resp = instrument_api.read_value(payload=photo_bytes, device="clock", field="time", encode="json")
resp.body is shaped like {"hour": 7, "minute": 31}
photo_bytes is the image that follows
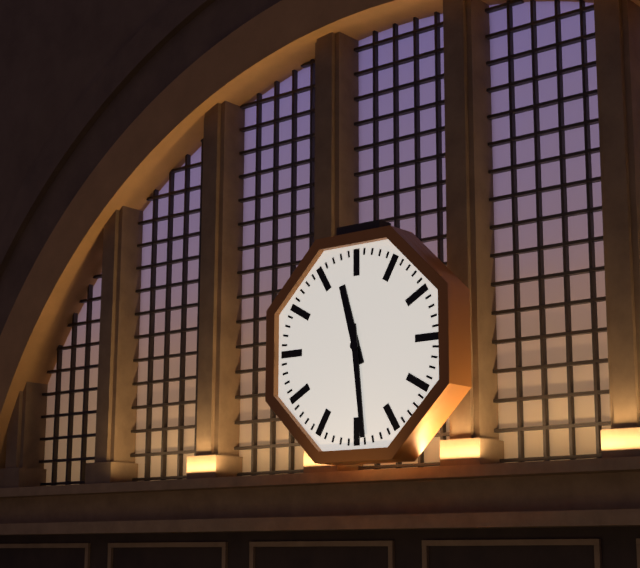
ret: {"hour": 11, "minute": 29}
